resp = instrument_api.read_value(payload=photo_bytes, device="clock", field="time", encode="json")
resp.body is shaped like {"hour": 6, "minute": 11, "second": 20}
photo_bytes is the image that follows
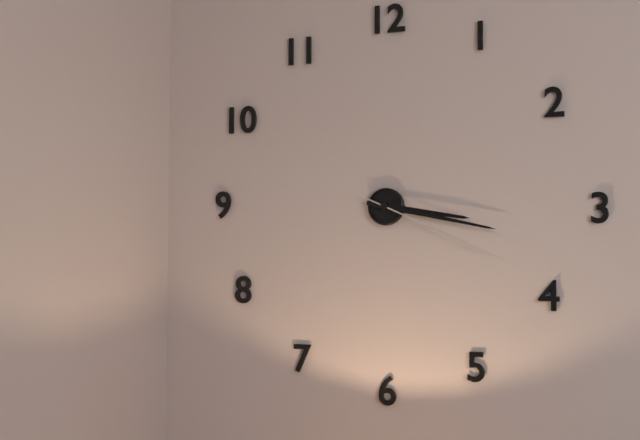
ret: {"hour": 3, "minute": 17, "second": 19}
